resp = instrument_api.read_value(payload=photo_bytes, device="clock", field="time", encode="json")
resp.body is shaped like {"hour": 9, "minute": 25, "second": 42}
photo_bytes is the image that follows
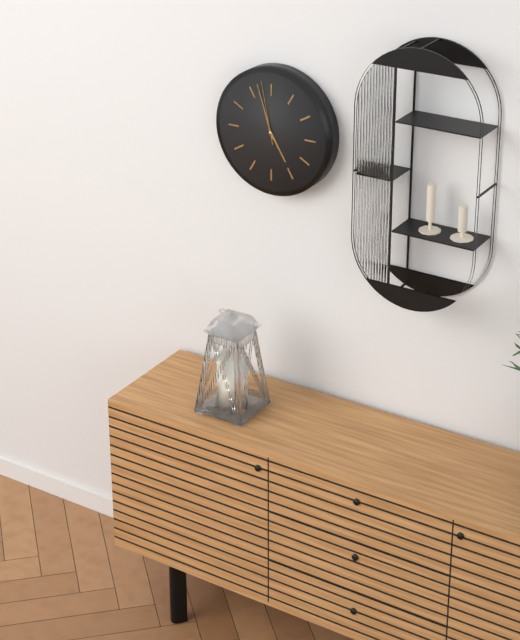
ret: {"hour": 4, "minute": 57, "second": 58}
